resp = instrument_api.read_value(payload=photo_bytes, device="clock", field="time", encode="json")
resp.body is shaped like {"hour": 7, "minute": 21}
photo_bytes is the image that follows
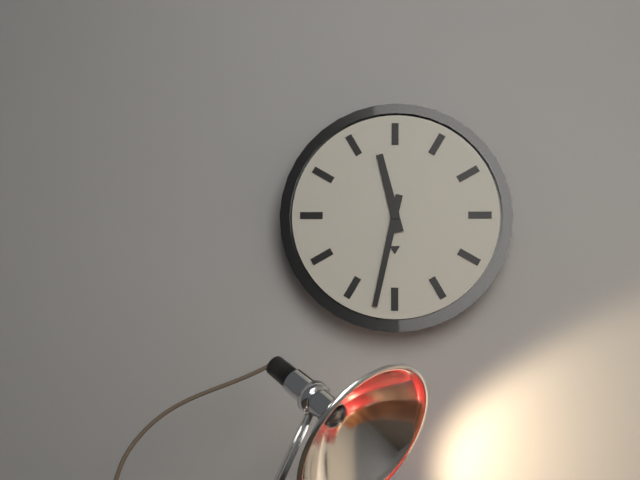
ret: {"hour": 11, "minute": 32}
